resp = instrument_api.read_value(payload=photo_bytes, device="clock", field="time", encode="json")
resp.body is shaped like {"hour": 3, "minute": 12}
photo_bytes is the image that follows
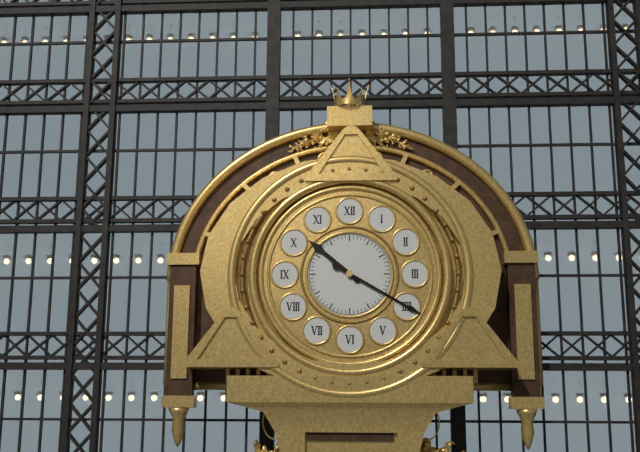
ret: {"hour": 10, "minute": 20}
